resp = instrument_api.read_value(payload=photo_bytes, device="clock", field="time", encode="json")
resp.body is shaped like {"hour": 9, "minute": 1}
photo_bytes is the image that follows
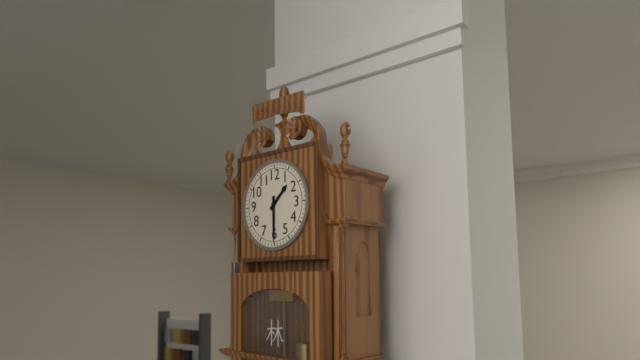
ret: {"hour": 1, "minute": 30}
